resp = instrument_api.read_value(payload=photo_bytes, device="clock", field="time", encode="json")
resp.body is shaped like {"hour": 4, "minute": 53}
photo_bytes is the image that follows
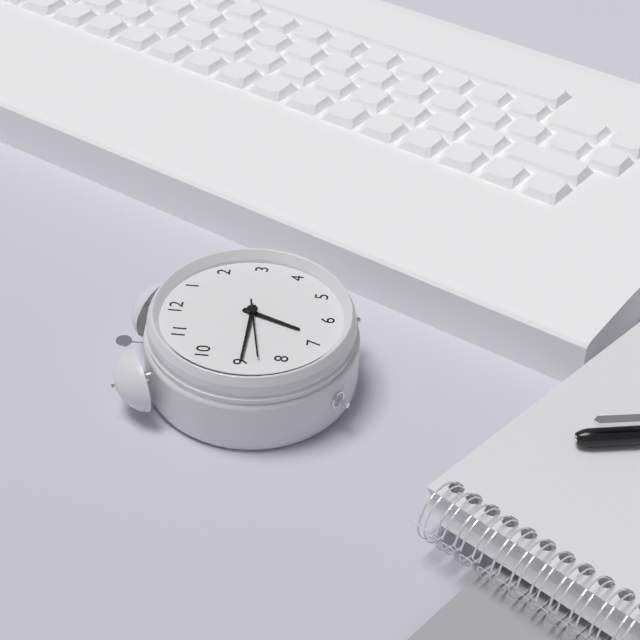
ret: {"hour": 6, "minute": 45}
